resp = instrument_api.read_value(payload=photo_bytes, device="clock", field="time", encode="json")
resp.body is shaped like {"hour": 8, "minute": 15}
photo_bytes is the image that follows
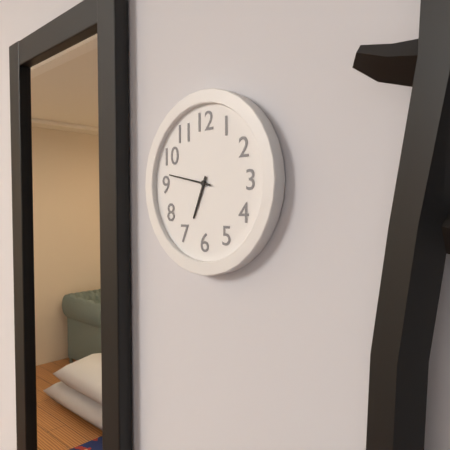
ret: {"hour": 6, "minute": 47}
